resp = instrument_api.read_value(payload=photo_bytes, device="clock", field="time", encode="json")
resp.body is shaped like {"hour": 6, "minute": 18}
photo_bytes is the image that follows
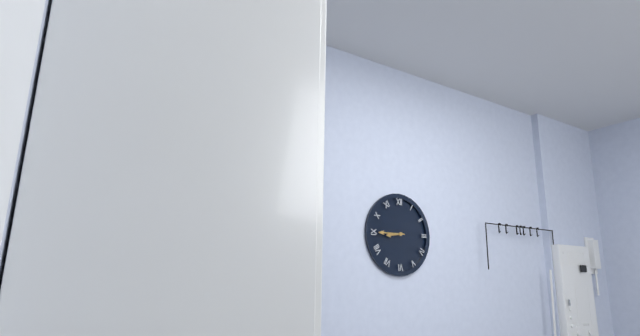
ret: {"hour": 8, "minute": 45}
